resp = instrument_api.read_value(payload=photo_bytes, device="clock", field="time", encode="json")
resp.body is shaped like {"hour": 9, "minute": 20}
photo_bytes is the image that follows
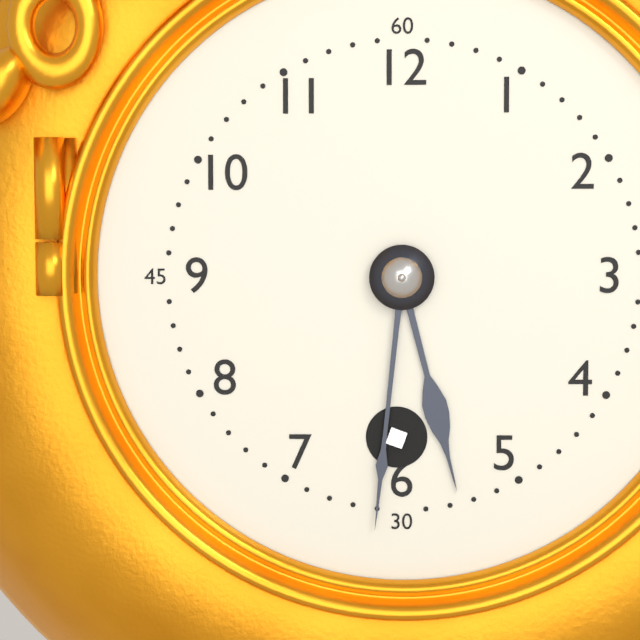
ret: {"hour": 5, "minute": 31}
